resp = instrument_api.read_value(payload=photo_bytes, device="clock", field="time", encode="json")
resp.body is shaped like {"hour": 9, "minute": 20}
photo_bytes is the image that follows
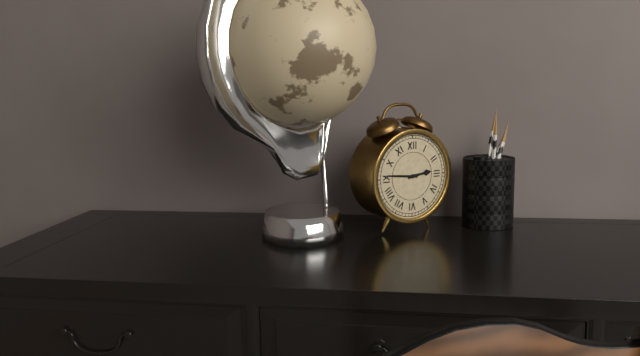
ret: {"hour": 2, "minute": 46}
